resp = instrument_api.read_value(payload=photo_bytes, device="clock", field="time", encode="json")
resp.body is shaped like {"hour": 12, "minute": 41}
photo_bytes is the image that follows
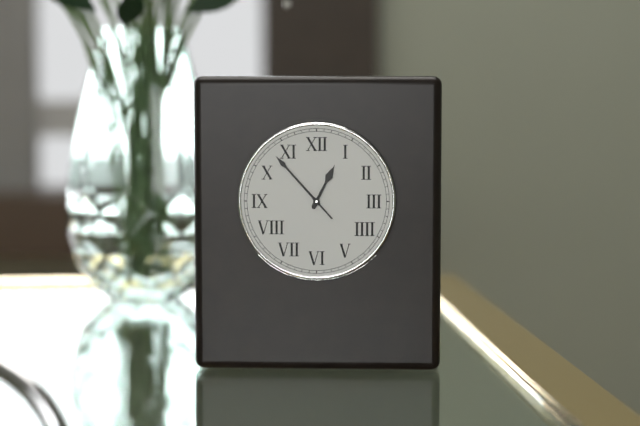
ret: {"hour": 12, "minute": 53}
